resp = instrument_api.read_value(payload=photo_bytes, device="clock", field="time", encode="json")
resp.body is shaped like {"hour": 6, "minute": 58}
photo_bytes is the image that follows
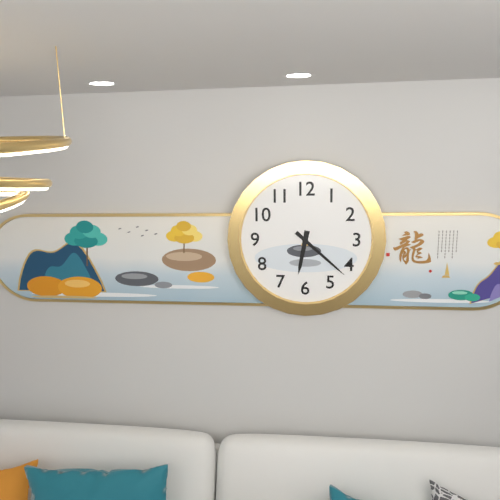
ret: {"hour": 6, "minute": 22}
